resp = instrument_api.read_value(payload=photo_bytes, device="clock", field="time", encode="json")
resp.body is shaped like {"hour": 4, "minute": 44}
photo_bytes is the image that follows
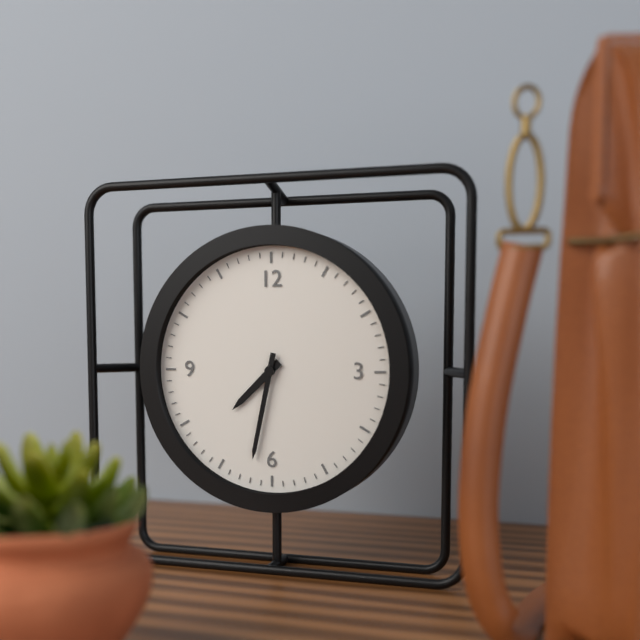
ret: {"hour": 7, "minute": 32}
